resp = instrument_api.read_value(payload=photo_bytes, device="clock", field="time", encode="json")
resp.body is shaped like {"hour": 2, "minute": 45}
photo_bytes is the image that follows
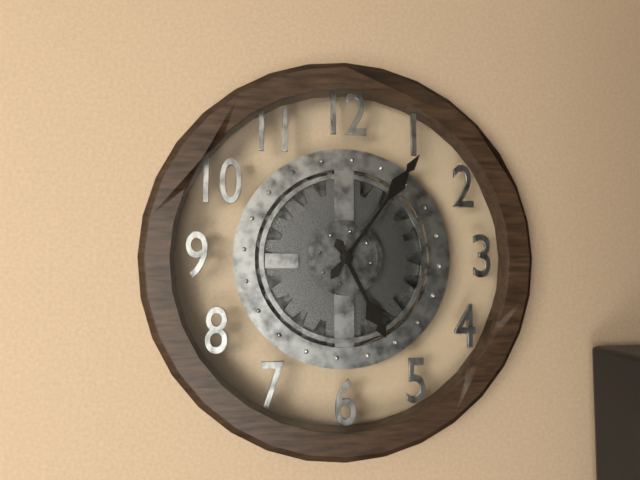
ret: {"hour": 5, "minute": 6}
